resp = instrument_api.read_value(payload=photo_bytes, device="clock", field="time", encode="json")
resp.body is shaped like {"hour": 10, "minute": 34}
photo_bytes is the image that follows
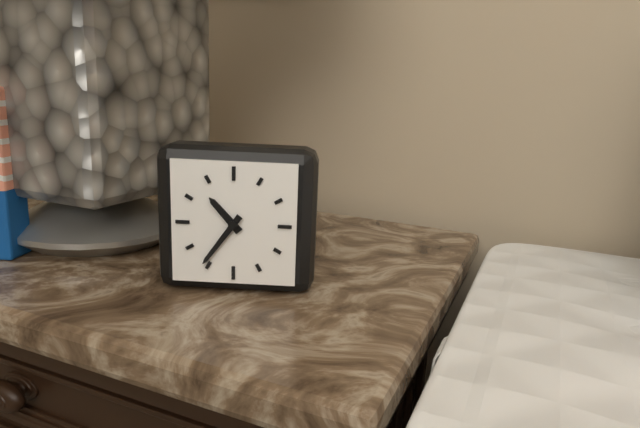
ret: {"hour": 10, "minute": 36}
